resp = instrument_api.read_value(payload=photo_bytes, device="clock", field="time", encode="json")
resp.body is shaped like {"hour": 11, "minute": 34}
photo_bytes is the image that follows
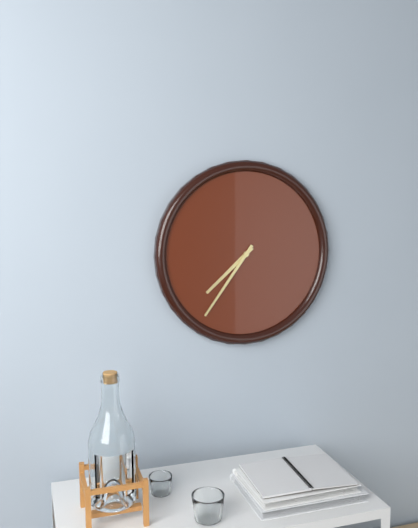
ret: {"hour": 7, "minute": 36}
